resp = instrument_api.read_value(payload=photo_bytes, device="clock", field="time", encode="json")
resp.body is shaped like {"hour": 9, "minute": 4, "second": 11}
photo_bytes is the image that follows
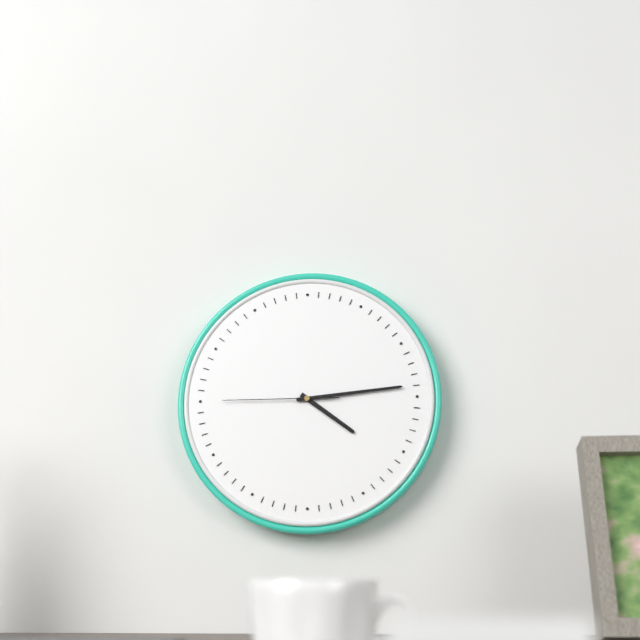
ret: {"hour": 4, "minute": 14, "second": 45}
